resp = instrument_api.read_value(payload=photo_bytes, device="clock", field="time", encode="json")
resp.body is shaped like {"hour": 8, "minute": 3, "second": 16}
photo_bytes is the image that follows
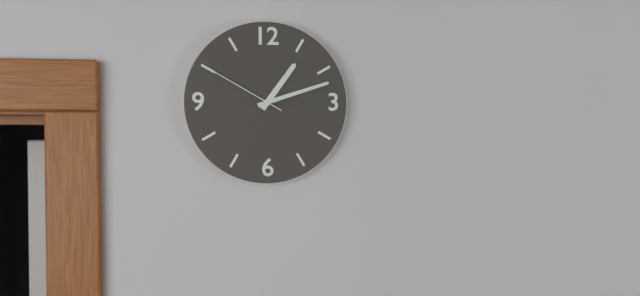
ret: {"hour": 1, "minute": 12, "second": 50}
